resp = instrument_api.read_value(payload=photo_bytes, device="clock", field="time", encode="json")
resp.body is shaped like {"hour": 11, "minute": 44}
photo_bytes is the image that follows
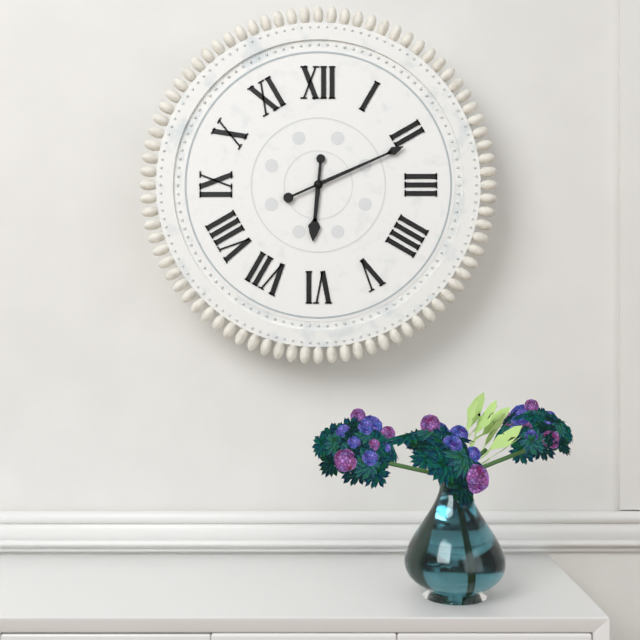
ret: {"hour": 6, "minute": 11}
